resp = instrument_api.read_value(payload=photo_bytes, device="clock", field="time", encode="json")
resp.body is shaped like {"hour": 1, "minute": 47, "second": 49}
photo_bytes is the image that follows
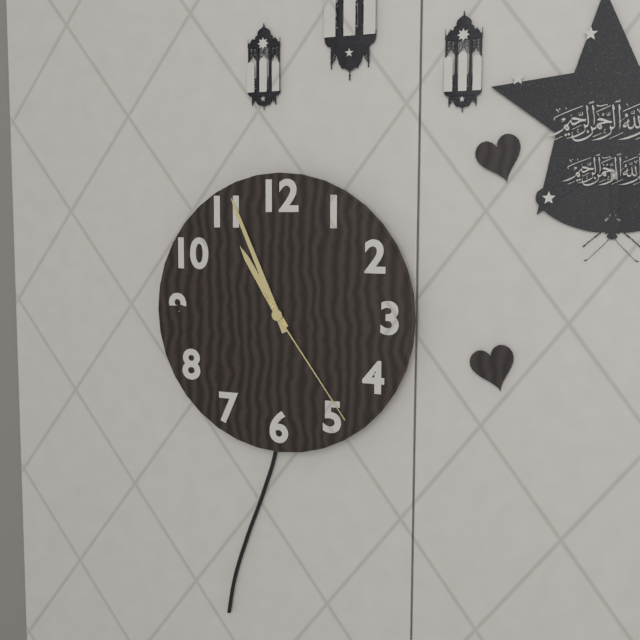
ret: {"hour": 10, "minute": 56, "second": 24}
